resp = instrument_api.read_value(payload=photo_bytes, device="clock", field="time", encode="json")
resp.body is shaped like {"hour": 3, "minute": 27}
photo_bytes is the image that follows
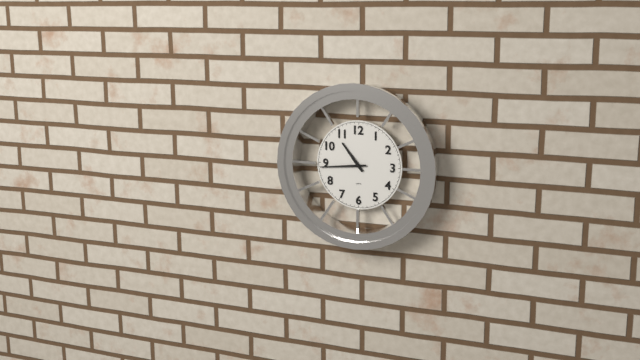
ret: {"hour": 10, "minute": 44}
